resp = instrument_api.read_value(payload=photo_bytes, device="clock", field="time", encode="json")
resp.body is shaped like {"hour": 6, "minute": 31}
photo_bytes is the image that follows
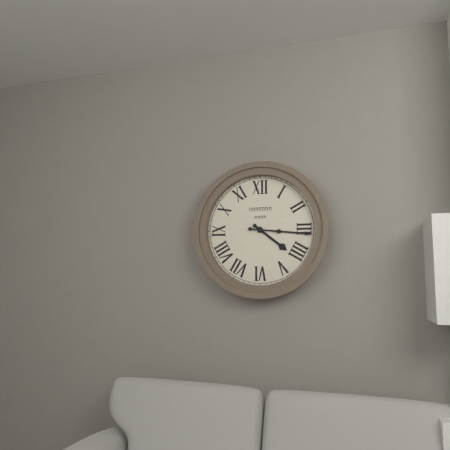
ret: {"hour": 4, "minute": 16}
